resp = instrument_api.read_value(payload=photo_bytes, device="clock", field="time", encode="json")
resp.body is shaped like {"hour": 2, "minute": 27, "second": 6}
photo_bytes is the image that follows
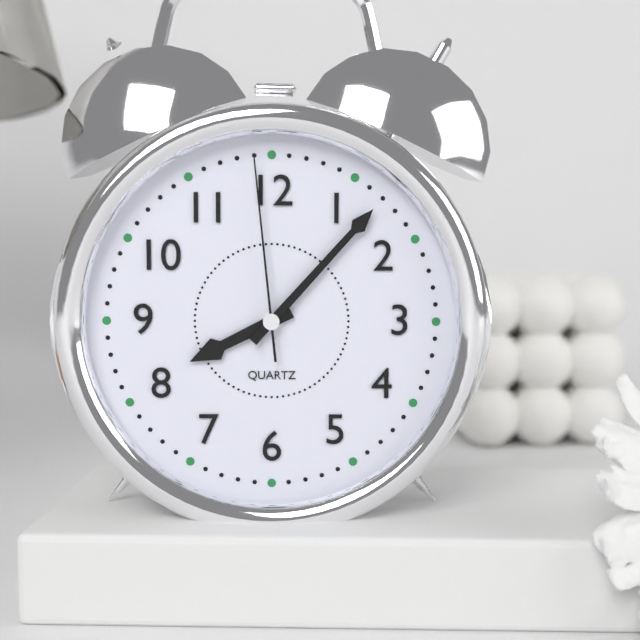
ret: {"hour": 8, "minute": 7, "second": 59}
